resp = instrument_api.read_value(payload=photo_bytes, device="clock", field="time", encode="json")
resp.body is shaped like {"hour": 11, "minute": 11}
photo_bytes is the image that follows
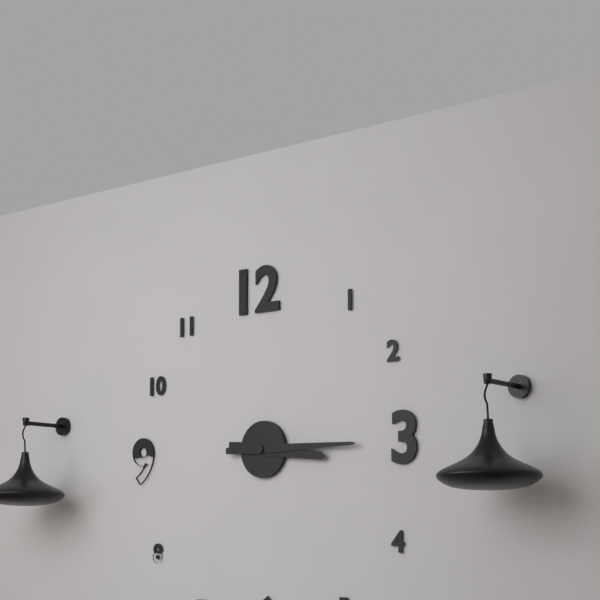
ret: {"hour": 3, "minute": 15}
